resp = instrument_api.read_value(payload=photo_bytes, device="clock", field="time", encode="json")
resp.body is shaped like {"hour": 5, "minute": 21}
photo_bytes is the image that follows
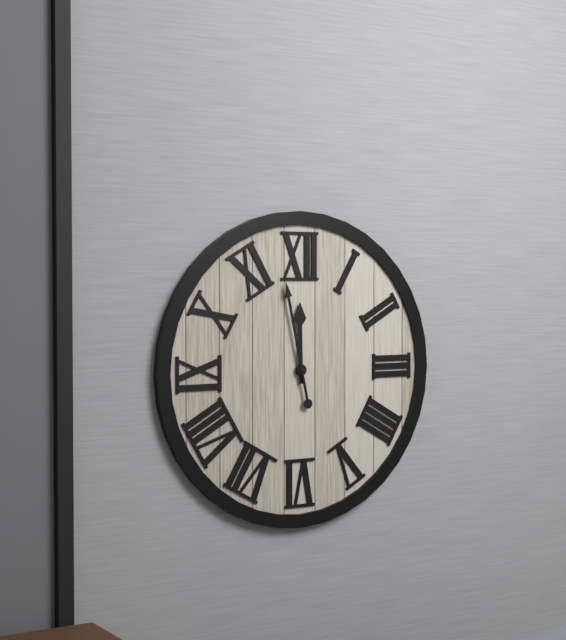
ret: {"hour": 11, "minute": 58}
